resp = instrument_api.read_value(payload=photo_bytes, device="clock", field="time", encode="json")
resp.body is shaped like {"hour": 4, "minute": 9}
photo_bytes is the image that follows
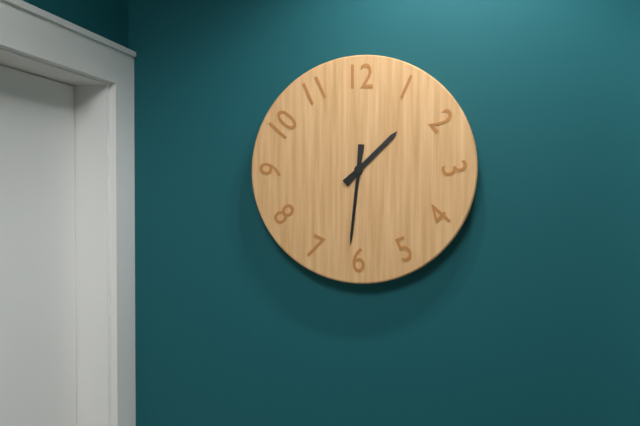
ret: {"hour": 1, "minute": 31}
